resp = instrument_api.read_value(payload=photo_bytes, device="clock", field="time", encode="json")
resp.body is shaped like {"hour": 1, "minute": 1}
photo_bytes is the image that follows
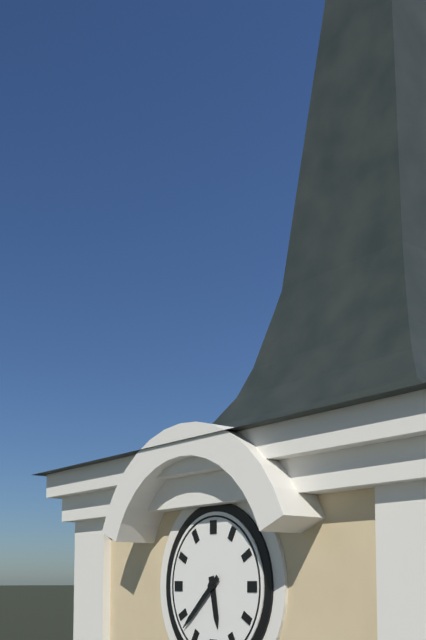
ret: {"hour": 5, "minute": 38}
